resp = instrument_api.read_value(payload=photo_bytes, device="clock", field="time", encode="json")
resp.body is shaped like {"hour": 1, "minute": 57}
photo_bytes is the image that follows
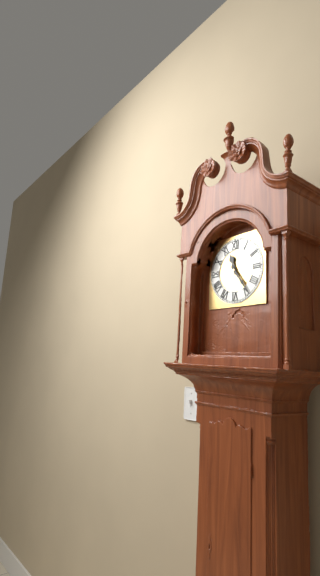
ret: {"hour": 11, "minute": 24}
